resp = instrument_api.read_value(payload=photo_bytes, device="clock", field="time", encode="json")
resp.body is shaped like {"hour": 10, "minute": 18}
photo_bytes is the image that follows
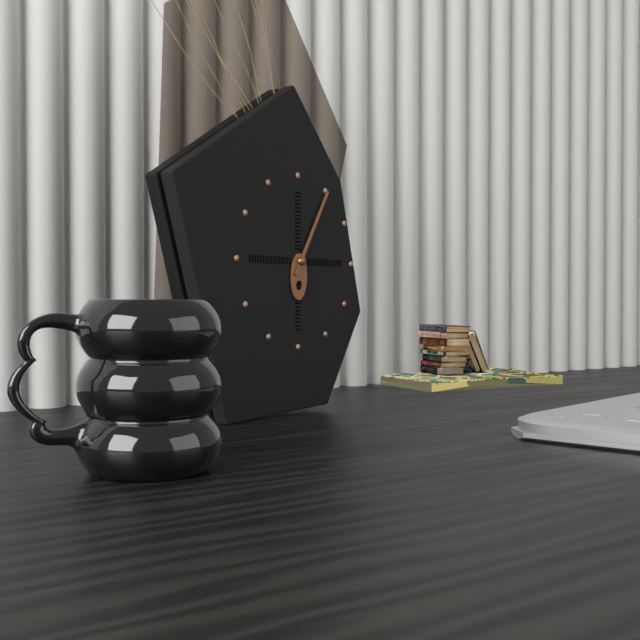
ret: {"hour": 6, "minute": 5}
